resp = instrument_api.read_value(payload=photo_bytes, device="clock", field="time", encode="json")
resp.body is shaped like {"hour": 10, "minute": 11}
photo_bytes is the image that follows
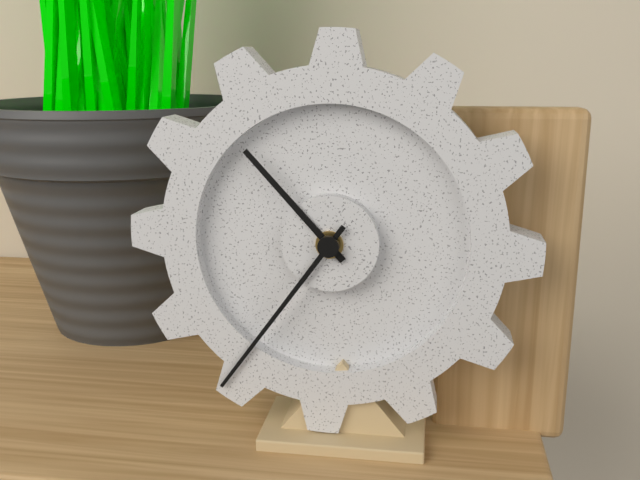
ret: {"hour": 10, "minute": 36}
